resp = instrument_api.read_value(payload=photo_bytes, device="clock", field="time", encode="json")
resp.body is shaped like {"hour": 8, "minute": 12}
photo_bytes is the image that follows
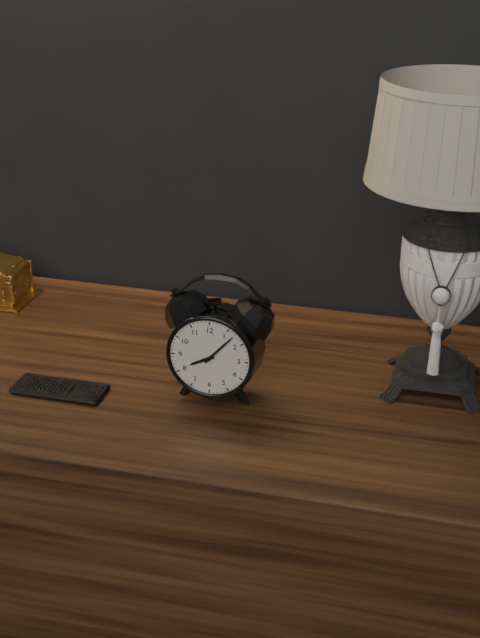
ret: {"hour": 8, "minute": 7}
